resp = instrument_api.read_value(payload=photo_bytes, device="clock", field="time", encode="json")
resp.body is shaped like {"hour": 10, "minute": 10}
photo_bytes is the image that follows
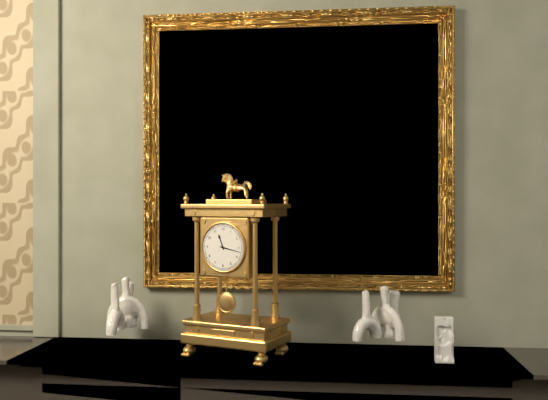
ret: {"hour": 11, "minute": 17}
